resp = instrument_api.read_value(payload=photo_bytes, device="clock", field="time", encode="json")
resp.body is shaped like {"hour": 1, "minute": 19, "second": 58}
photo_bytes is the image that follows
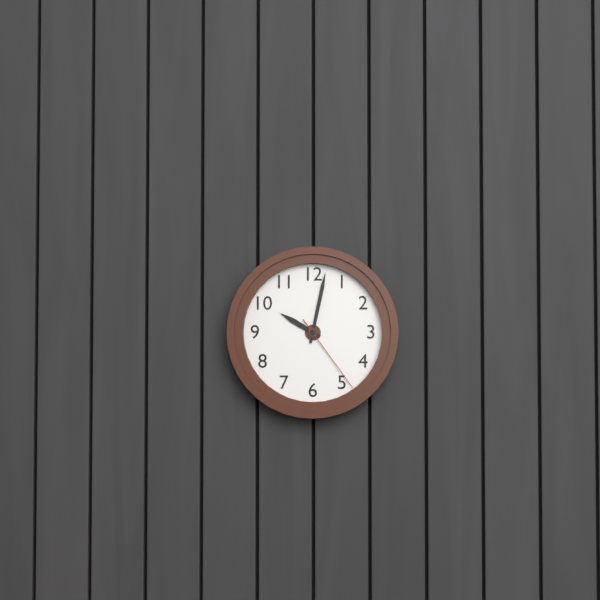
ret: {"hour": 10, "minute": 2, "second": 24}
